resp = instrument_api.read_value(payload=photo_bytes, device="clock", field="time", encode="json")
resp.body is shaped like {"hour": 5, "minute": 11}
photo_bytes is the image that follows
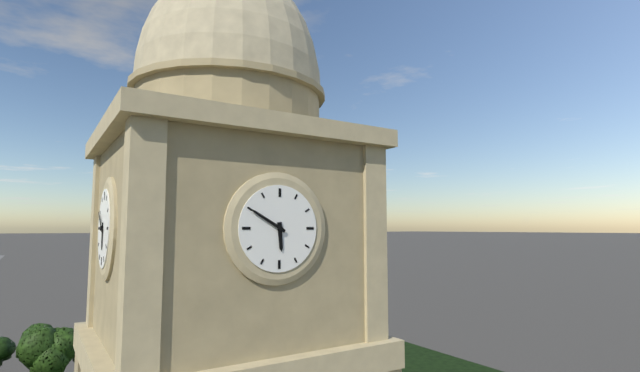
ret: {"hour": 5, "minute": 50}
